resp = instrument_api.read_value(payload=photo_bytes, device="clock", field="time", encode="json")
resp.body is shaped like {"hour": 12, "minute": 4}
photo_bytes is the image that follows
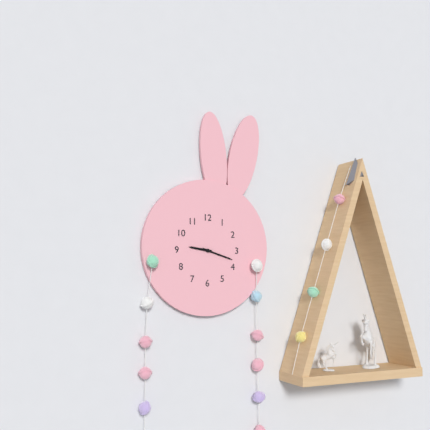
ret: {"hour": 9, "minute": 18}
